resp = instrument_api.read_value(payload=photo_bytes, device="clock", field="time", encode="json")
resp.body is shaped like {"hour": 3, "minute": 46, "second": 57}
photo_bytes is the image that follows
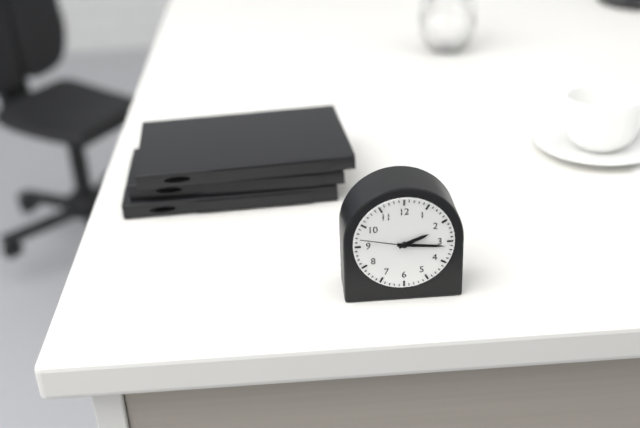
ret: {"hour": 2, "minute": 16, "second": 47}
